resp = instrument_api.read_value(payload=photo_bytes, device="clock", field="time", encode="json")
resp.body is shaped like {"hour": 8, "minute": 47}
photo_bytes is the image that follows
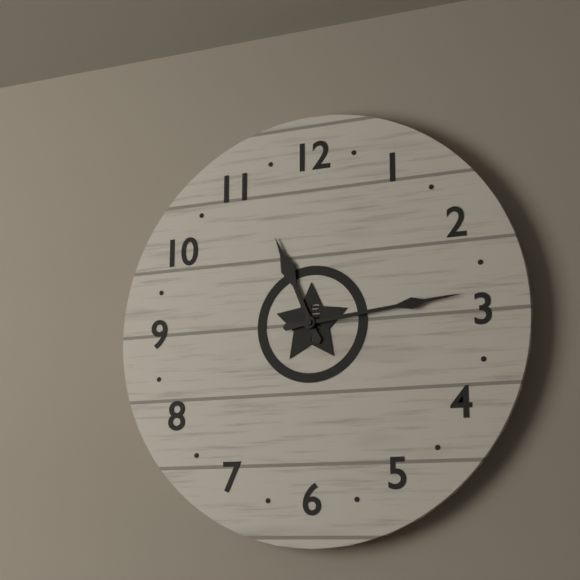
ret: {"hour": 11, "minute": 14}
